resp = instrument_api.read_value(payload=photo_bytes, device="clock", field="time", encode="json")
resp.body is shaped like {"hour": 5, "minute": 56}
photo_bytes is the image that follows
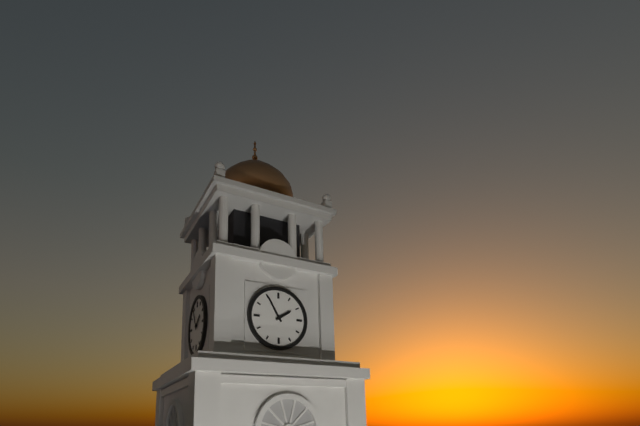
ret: {"hour": 1, "minute": 55}
